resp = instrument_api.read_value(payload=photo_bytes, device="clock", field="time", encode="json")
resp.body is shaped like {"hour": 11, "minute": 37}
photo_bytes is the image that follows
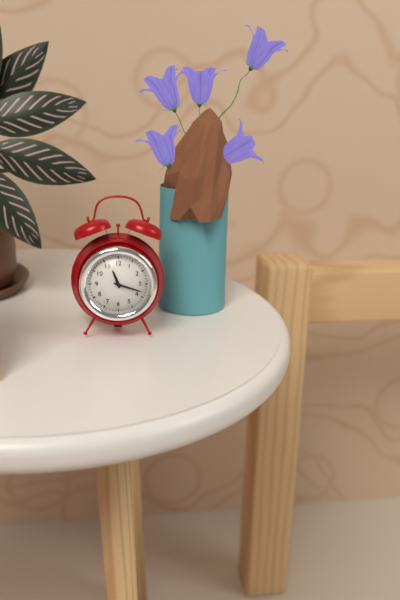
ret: {"hour": 11, "minute": 18}
